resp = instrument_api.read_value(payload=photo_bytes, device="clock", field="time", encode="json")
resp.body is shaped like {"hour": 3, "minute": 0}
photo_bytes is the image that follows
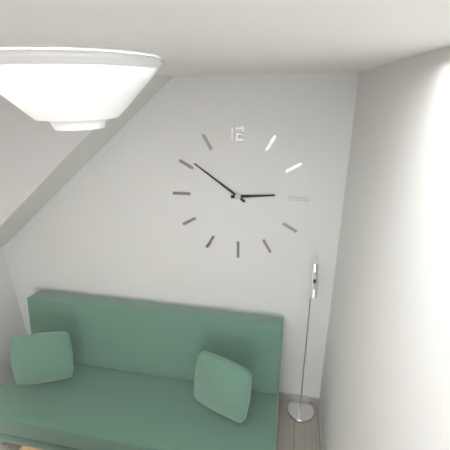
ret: {"hour": 2, "minute": 51}
